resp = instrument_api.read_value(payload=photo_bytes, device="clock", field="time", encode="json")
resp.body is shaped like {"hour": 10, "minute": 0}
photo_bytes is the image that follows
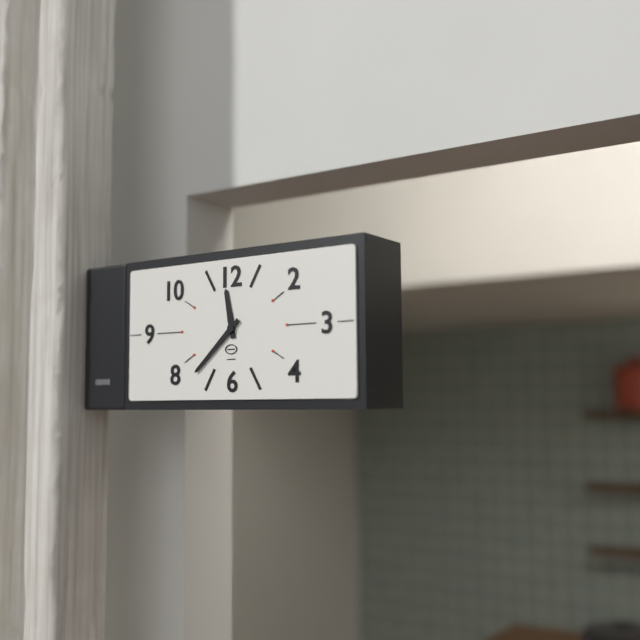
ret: {"hour": 11, "minute": 38}
